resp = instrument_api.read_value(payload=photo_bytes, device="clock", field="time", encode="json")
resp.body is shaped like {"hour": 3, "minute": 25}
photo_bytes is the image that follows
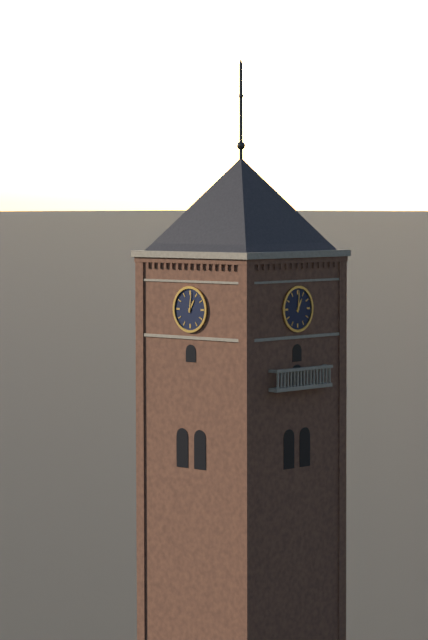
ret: {"hour": 1, "minute": 1}
